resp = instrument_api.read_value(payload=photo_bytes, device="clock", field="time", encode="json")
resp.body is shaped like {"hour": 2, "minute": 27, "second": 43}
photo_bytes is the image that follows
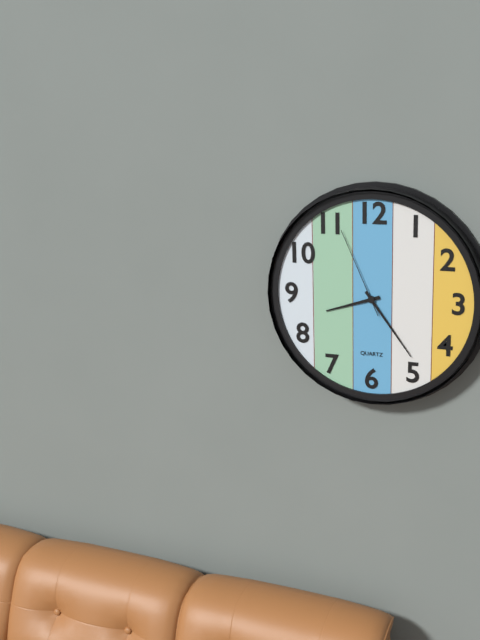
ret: {"hour": 8, "minute": 24, "second": 56}
